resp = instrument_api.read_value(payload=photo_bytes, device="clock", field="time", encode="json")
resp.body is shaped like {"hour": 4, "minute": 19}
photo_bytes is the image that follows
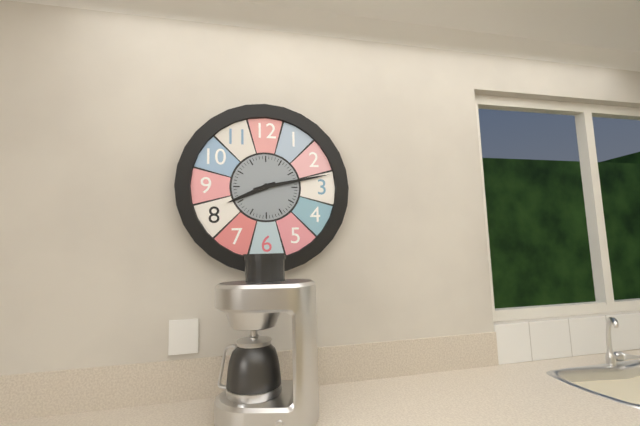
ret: {"hour": 8, "minute": 13}
